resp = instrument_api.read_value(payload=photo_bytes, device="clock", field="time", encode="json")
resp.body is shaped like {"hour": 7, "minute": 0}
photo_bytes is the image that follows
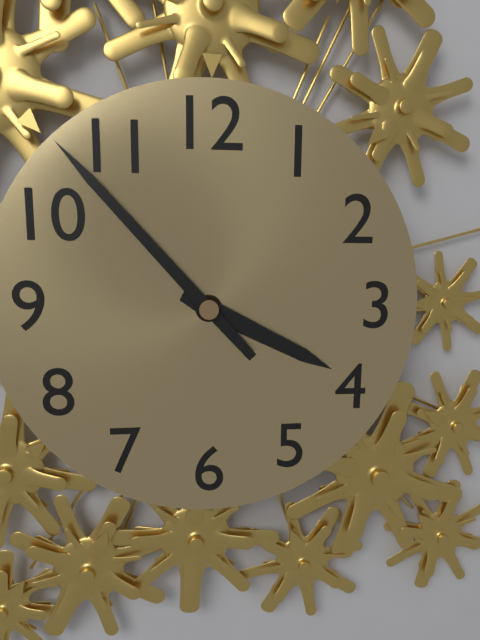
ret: {"hour": 3, "minute": 53}
